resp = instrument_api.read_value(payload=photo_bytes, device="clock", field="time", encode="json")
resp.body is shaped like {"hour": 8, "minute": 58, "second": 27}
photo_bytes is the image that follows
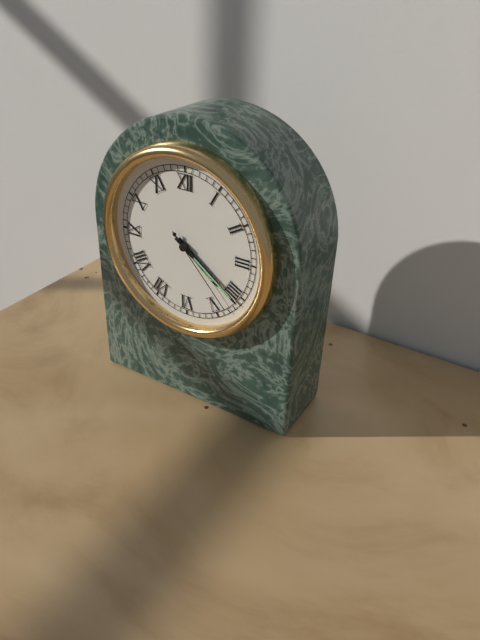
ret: {"hour": 4, "minute": 21, "second": 23}
